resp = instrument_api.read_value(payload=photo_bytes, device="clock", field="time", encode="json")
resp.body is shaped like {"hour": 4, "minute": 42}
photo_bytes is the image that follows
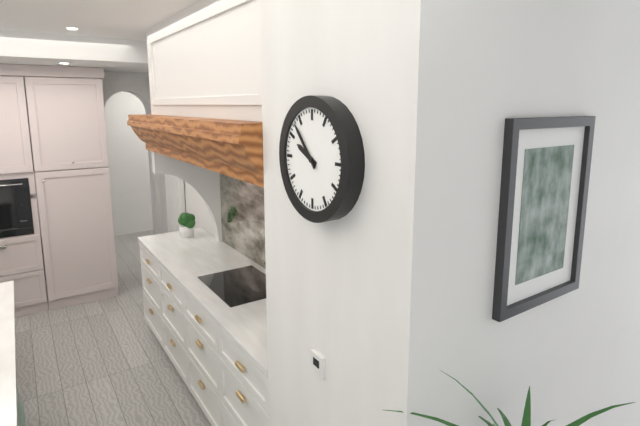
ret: {"hour": 9, "minute": 53}
